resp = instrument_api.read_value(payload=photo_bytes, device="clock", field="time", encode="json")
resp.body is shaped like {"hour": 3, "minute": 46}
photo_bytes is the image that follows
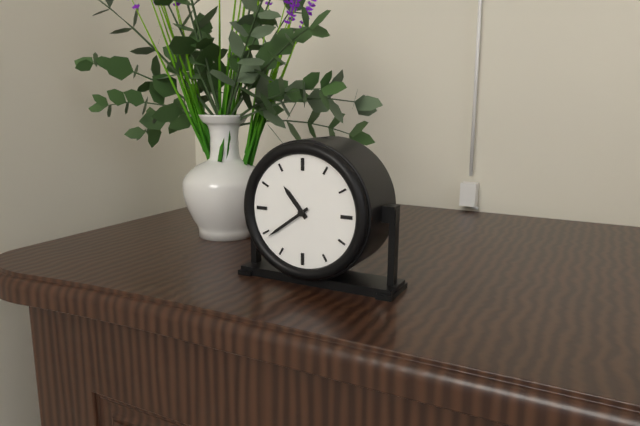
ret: {"hour": 10, "minute": 39}
